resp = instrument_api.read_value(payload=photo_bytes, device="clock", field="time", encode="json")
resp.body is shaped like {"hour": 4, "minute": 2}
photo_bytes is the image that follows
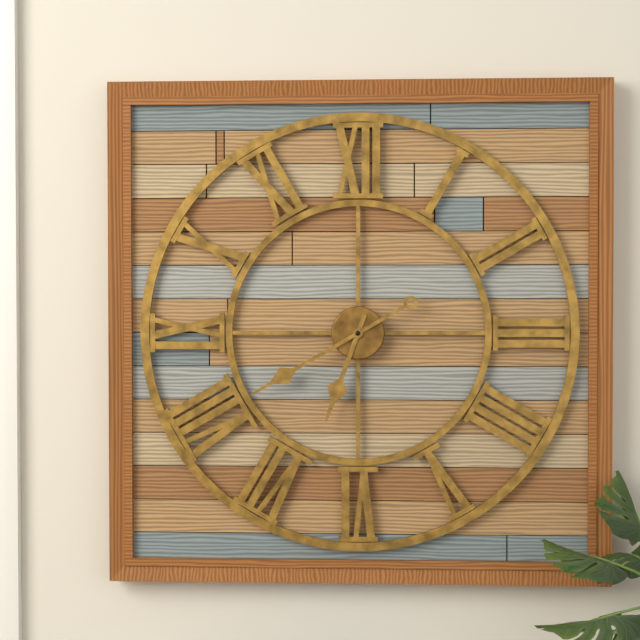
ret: {"hour": 6, "minute": 40}
